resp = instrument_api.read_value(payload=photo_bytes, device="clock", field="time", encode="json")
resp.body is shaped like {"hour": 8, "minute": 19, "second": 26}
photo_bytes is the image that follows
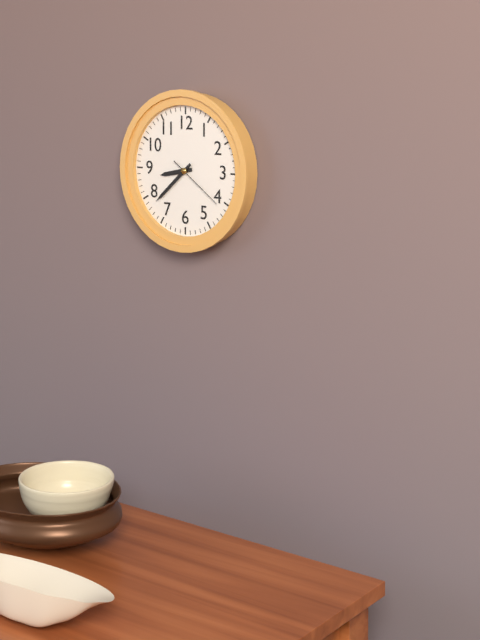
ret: {"hour": 8, "minute": 38, "second": 21}
